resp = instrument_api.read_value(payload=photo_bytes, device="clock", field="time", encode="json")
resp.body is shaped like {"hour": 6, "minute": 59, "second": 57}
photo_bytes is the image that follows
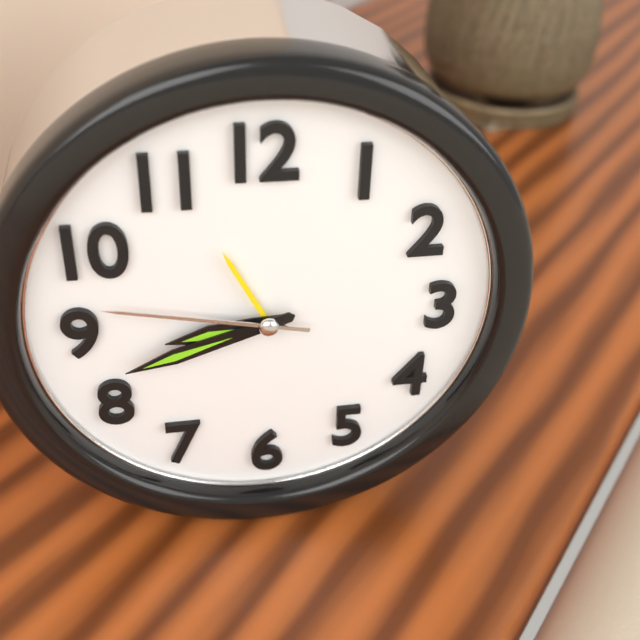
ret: {"hour": 8, "minute": 42, "second": 47}
